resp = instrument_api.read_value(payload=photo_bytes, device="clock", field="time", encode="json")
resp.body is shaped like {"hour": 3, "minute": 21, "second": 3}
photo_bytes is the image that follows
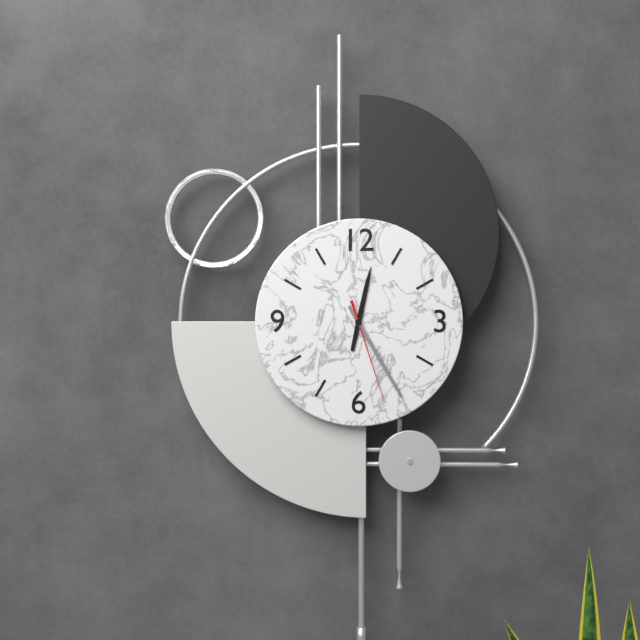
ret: {"hour": 12, "minute": 25, "second": 27}
